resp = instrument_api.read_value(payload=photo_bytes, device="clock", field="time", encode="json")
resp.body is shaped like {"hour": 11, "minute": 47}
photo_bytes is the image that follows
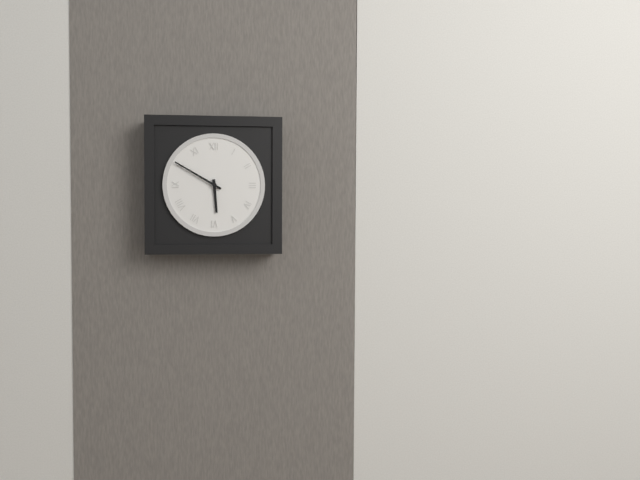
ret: {"hour": 5, "minute": 50}
